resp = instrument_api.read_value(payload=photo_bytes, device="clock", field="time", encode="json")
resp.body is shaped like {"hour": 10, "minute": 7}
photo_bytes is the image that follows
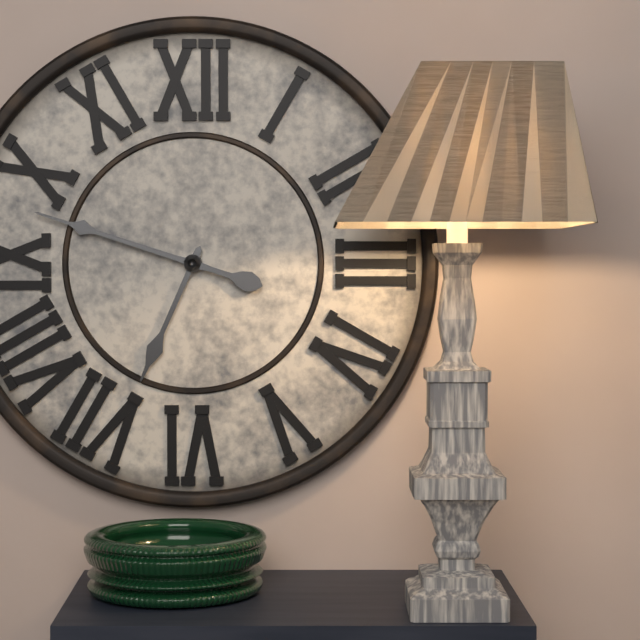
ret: {"hour": 6, "minute": 48}
